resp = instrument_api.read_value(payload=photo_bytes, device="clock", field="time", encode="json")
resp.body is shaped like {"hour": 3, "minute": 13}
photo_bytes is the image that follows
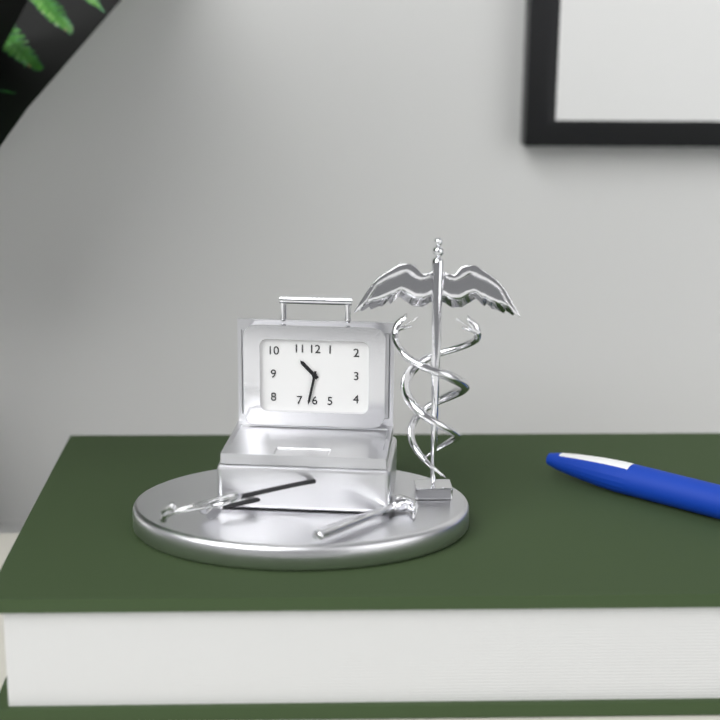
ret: {"hour": 10, "minute": 32}
